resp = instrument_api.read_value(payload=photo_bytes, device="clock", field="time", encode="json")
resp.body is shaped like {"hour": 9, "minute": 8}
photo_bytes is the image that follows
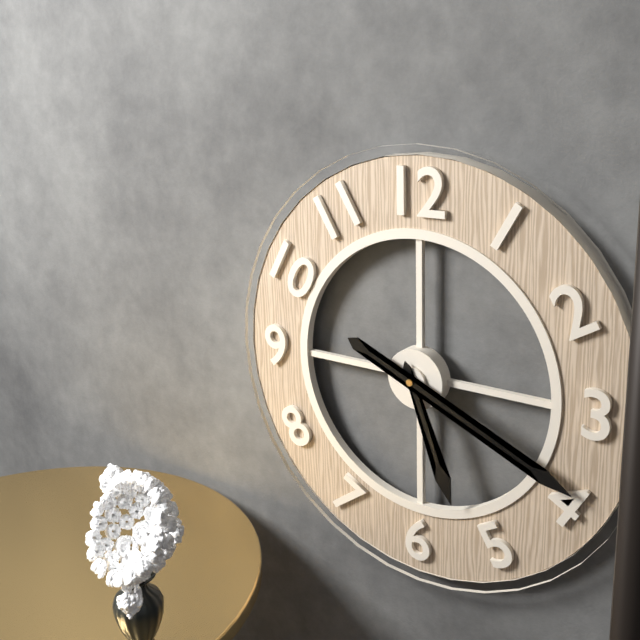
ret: {"hour": 5, "minute": 19}
